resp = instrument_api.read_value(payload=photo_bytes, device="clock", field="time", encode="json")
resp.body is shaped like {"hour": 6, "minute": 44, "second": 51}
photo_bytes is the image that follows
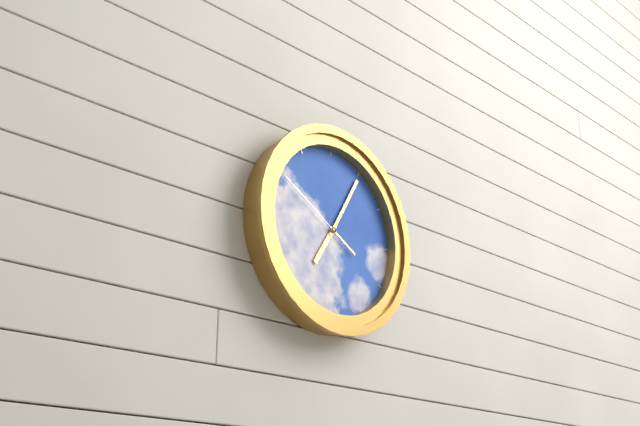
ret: {"hour": 7, "minute": 5, "second": 50}
